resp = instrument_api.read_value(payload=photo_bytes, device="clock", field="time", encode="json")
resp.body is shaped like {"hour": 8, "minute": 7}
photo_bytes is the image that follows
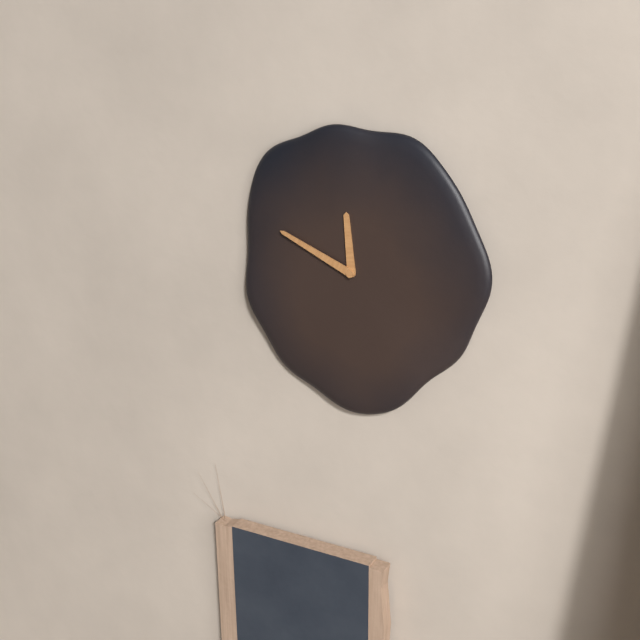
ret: {"hour": 11, "minute": 49}
